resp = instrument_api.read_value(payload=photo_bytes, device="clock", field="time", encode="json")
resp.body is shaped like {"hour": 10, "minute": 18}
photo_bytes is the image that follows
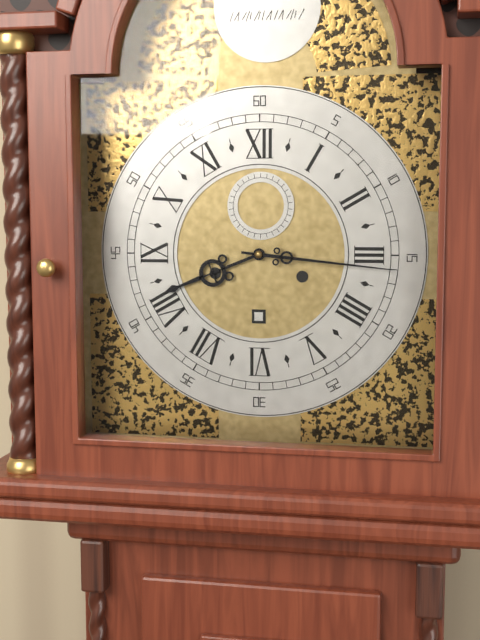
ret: {"hour": 8, "minute": 16}
